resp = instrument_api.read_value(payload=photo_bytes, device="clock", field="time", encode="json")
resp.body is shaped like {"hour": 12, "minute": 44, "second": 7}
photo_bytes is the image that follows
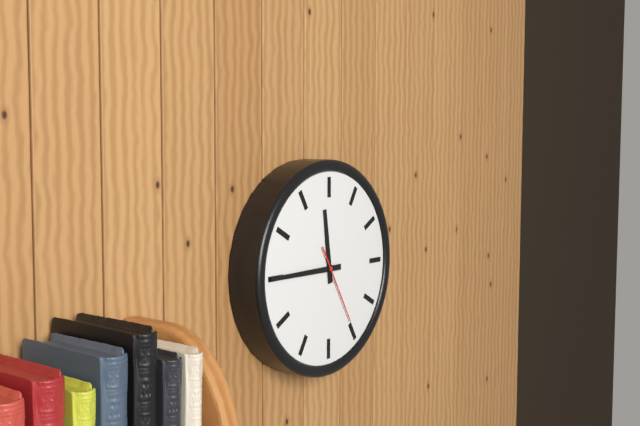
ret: {"hour": 11, "minute": 45, "second": 25}
